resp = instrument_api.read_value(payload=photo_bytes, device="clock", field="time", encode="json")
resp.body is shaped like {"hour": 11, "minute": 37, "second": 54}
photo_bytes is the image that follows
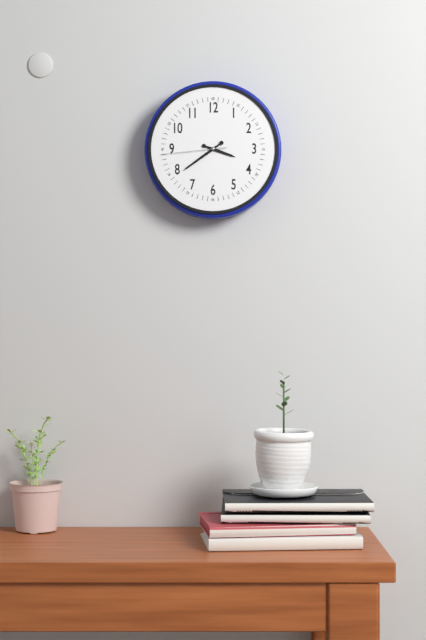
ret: {"hour": 3, "minute": 39, "second": 44}
